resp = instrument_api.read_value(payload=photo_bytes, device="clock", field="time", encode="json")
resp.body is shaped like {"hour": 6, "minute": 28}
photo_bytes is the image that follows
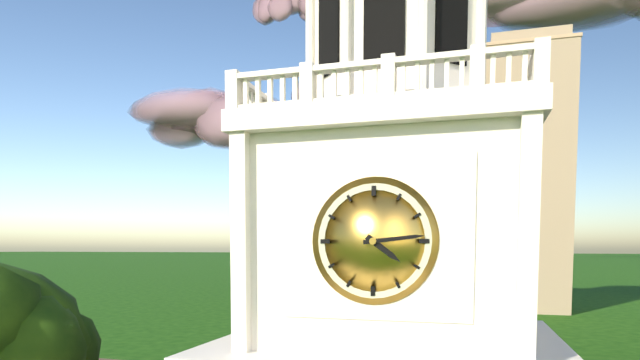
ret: {"hour": 4, "minute": 14}
